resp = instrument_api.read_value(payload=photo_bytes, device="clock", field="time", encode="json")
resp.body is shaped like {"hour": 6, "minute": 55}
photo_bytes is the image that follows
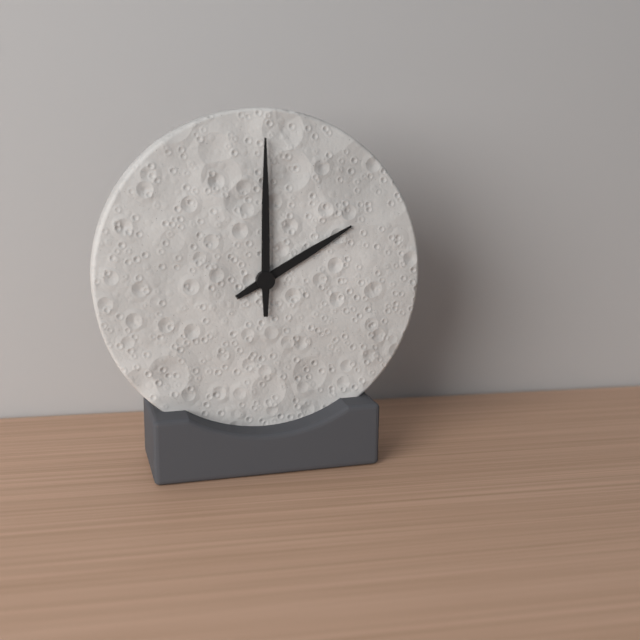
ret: {"hour": 2, "minute": 0}
